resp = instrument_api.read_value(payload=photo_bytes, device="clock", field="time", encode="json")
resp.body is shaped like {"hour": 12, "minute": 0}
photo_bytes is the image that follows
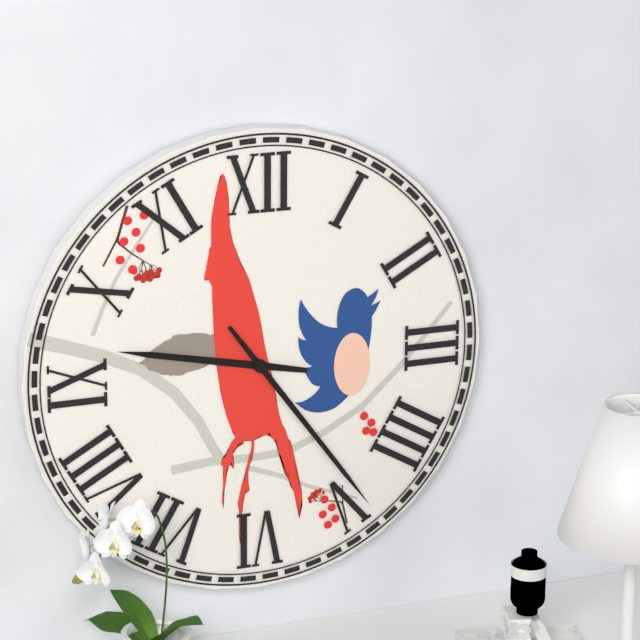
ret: {"hour": 9, "minute": 24}
